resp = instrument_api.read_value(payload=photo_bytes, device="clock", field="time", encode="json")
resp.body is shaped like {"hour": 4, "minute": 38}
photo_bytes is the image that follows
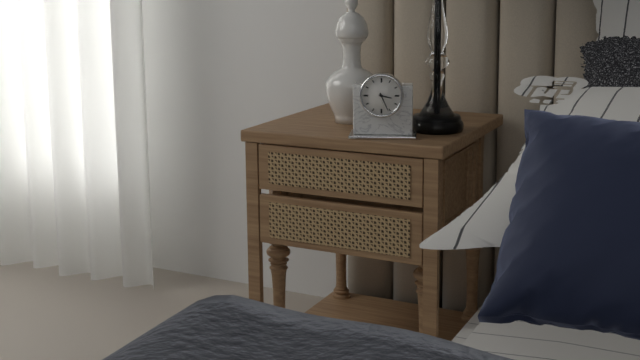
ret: {"hour": 3, "minute": 26}
